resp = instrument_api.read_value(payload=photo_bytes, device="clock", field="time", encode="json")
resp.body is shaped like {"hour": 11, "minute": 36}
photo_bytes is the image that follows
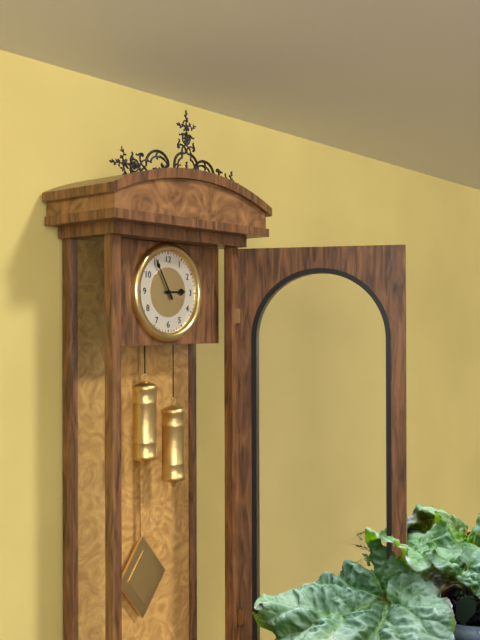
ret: {"hour": 2, "minute": 55}
